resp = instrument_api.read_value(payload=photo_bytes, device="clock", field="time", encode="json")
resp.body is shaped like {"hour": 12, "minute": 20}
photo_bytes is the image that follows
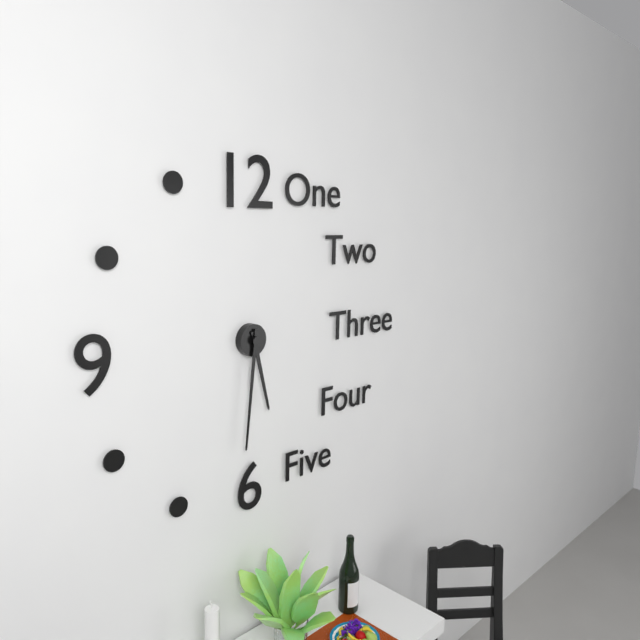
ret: {"hour": 5, "minute": 31}
